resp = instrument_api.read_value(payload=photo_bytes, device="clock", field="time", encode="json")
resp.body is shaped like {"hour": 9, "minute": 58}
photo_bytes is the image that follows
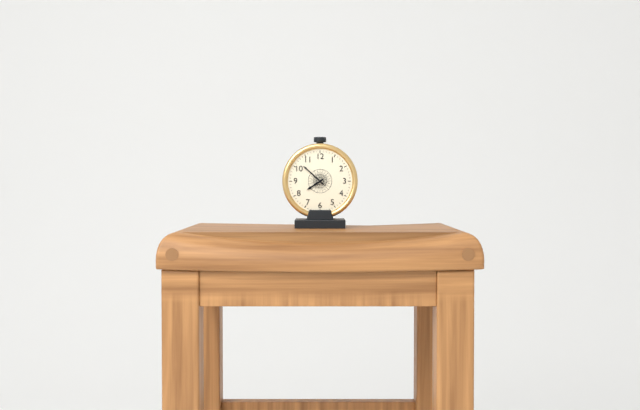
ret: {"hour": 7, "minute": 52}
